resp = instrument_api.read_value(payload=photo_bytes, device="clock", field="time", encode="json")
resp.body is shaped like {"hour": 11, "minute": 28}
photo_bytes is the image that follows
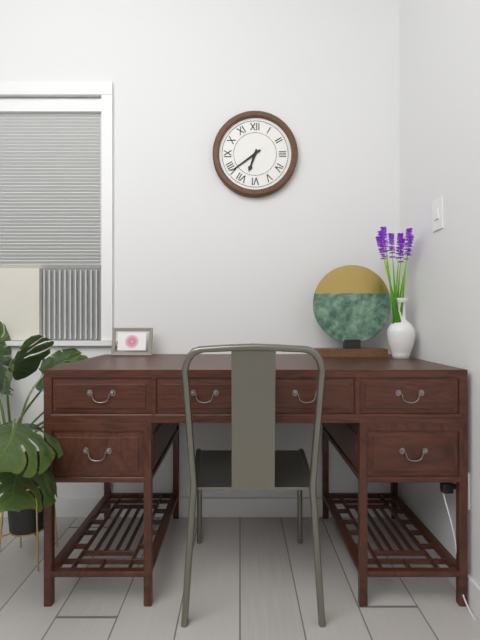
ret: {"hour": 6, "minute": 39}
